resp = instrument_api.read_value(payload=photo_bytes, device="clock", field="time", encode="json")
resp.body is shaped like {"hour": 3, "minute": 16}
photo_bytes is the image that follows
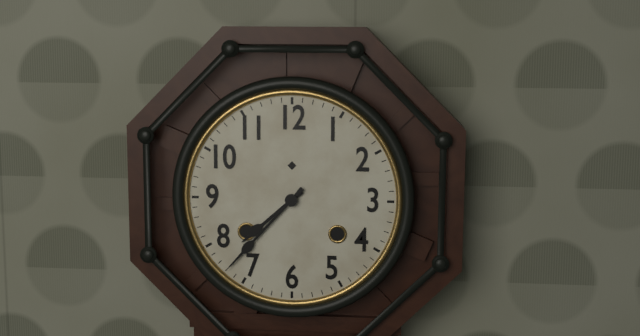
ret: {"hour": 7, "minute": 37}
